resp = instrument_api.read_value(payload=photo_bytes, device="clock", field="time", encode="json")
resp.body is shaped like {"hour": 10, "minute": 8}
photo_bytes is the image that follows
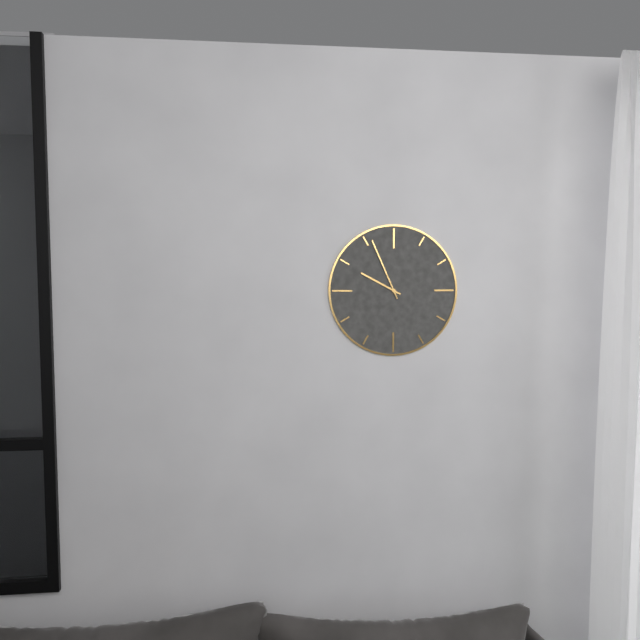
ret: {"hour": 9, "minute": 56}
